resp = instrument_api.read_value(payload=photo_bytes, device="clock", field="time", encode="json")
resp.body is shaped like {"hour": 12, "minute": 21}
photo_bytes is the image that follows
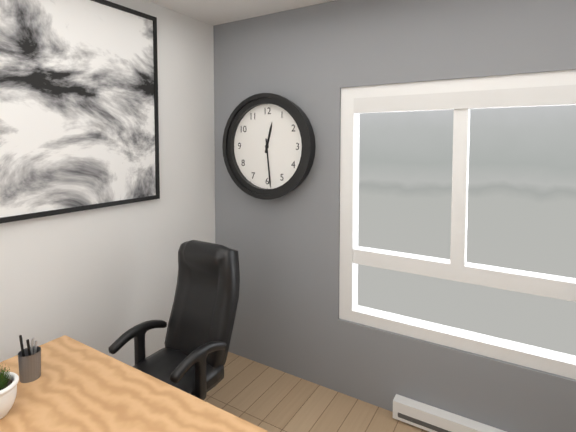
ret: {"hour": 12, "minute": 29}
